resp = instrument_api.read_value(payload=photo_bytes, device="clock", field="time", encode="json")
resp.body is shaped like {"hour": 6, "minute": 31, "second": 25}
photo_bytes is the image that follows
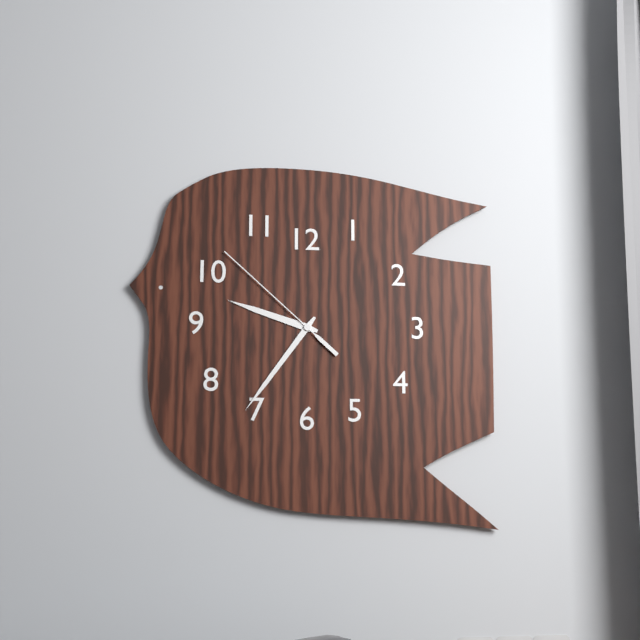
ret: {"hour": 9, "minute": 36, "second": 52}
